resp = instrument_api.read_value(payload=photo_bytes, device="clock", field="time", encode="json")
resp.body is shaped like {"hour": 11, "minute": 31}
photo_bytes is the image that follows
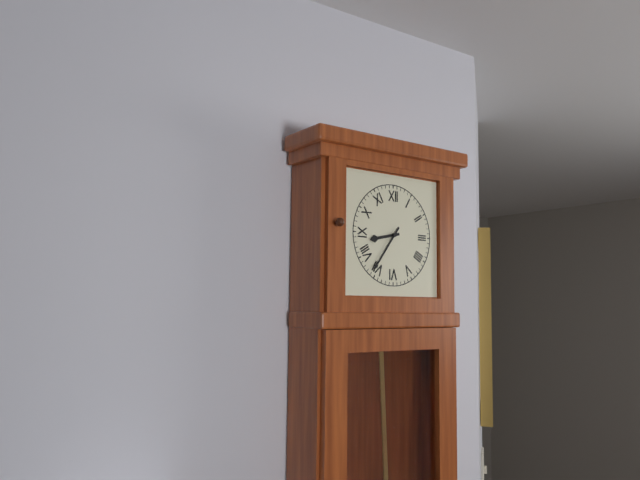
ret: {"hour": 8, "minute": 36}
